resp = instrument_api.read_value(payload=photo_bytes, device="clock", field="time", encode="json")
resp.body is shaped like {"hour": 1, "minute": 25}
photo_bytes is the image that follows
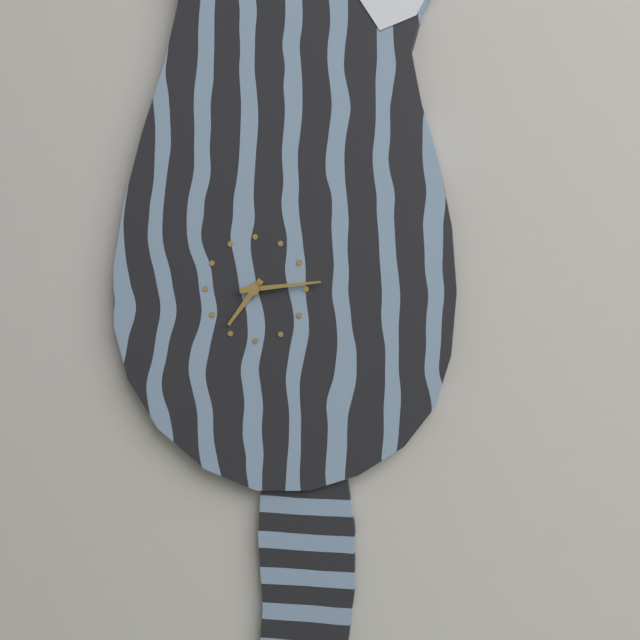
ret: {"hour": 7, "minute": 14}
